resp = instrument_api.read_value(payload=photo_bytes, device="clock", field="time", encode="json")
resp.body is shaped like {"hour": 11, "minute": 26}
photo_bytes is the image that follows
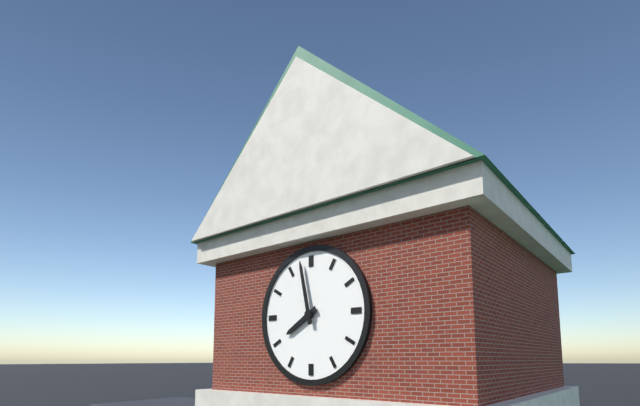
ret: {"hour": 7, "minute": 58}
